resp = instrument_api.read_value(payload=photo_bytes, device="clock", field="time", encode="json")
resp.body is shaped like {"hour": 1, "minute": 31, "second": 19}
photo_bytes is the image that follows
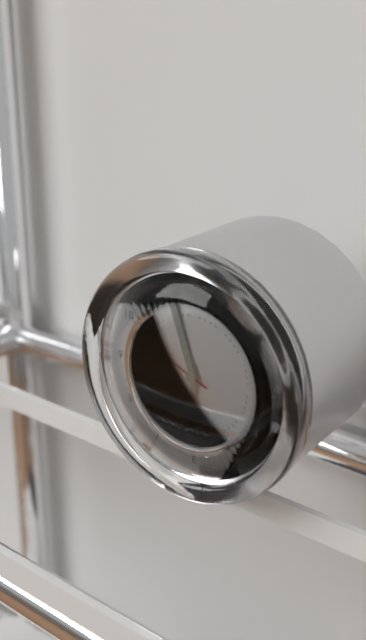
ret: {"hour": 5, "minute": 57, "second": 49}
